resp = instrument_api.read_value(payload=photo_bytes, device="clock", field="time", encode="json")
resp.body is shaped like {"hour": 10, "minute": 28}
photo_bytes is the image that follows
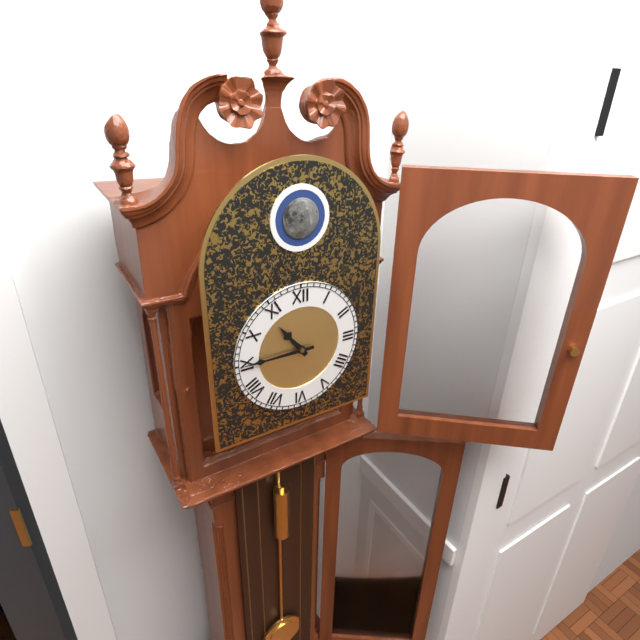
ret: {"hour": 10, "minute": 45}
